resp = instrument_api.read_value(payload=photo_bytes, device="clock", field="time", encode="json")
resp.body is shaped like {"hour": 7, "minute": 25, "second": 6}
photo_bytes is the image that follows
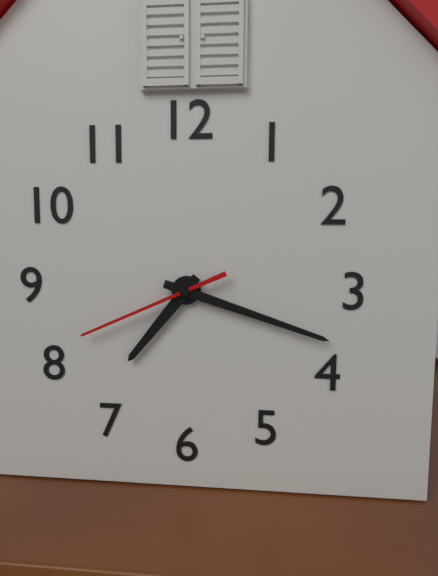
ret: {"hour": 7, "minute": 18, "second": 41}
